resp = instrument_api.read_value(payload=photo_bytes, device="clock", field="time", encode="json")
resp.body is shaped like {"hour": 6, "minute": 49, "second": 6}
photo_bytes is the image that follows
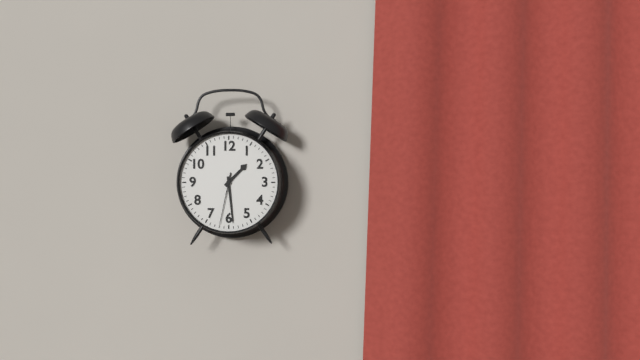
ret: {"hour": 1, "minute": 29, "second": 32}
